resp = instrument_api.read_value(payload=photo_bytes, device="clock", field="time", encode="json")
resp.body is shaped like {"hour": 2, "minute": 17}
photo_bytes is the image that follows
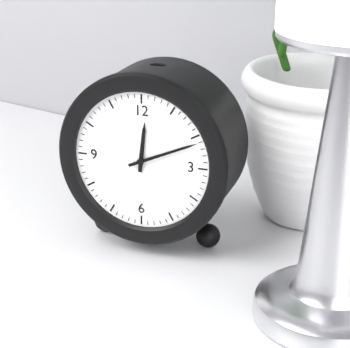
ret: {"hour": 12, "minute": 11}
